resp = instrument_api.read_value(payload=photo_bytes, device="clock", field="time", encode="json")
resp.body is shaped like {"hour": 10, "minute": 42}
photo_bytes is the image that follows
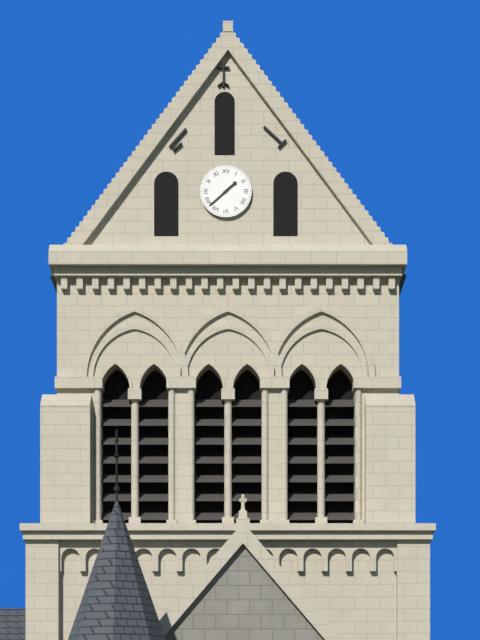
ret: {"hour": 1, "minute": 38}
